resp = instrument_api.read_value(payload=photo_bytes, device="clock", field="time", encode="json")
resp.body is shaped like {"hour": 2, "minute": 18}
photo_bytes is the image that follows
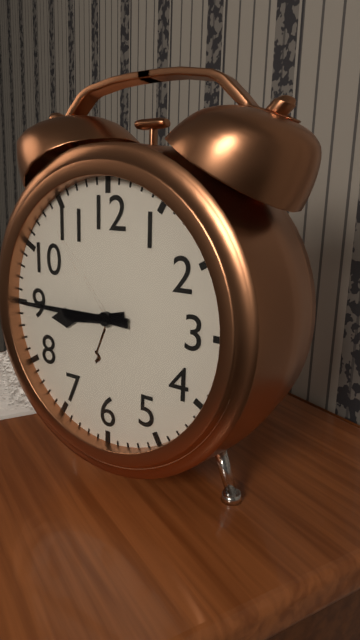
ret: {"hour": 8, "minute": 45}
